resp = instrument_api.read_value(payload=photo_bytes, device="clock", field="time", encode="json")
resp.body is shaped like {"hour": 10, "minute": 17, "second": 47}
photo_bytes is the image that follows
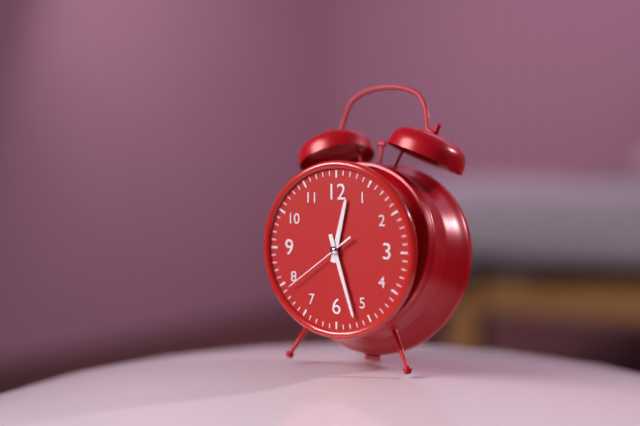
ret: {"hour": 12, "minute": 27, "second": 39}
